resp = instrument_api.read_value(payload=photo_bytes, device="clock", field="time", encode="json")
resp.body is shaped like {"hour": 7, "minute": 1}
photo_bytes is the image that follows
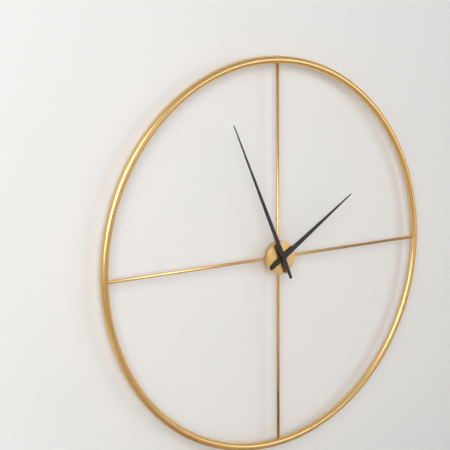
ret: {"hour": 1, "minute": 56}
